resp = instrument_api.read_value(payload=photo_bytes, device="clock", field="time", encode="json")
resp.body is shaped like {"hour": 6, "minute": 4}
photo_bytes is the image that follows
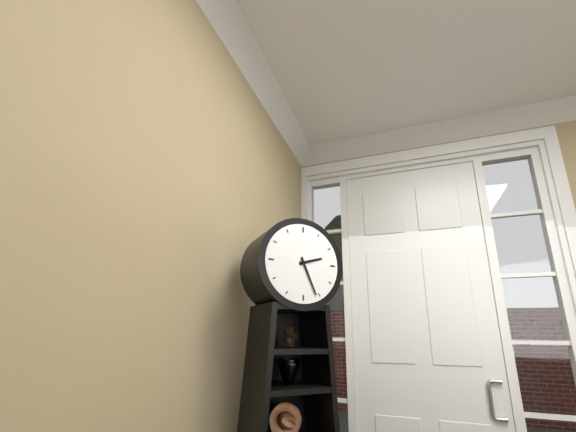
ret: {"hour": 2, "minute": 26}
